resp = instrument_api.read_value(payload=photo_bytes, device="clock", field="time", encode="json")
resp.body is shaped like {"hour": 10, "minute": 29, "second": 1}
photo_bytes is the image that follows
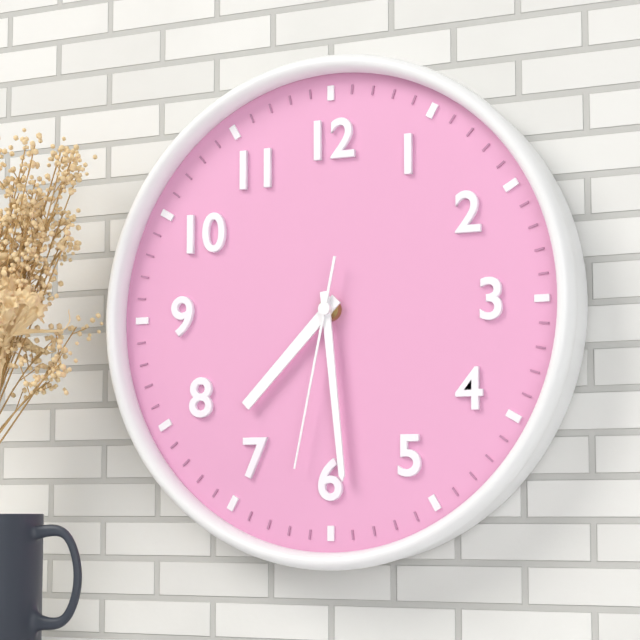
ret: {"hour": 7, "minute": 29, "second": 32}
